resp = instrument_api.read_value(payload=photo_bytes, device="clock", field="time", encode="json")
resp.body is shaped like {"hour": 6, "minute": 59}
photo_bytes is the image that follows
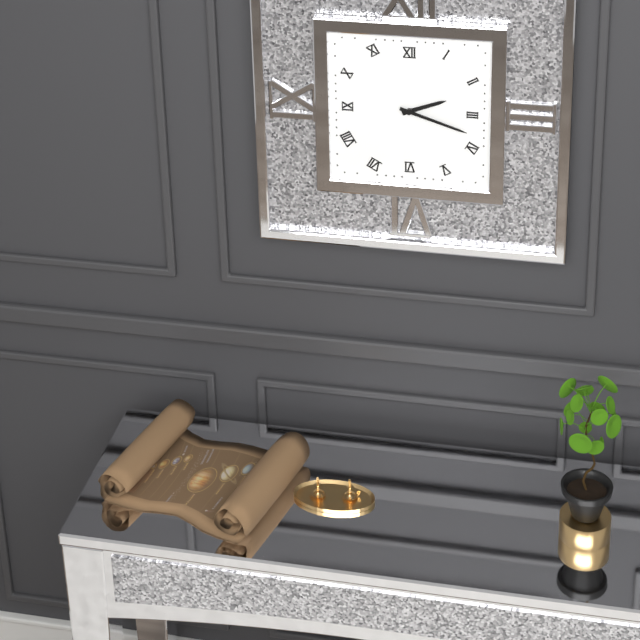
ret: {"hour": 2, "minute": 18}
